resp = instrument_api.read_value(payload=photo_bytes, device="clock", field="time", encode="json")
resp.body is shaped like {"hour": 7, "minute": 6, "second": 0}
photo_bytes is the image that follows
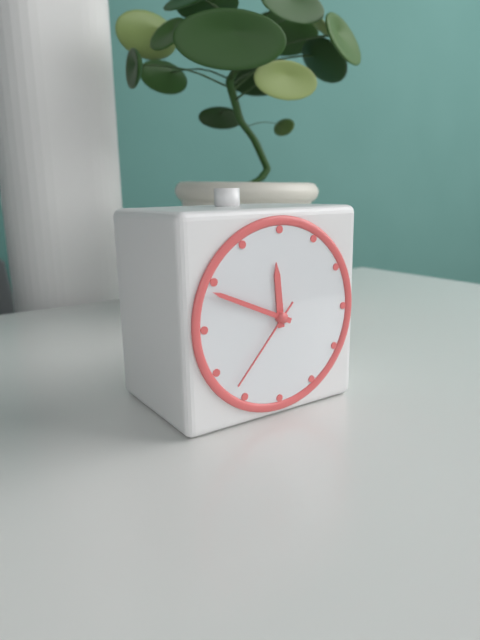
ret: {"hour": 11, "minute": 49, "second": 37}
